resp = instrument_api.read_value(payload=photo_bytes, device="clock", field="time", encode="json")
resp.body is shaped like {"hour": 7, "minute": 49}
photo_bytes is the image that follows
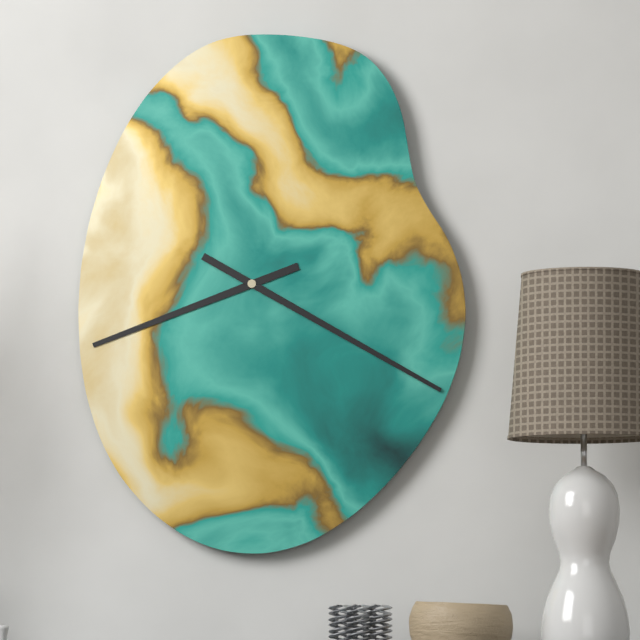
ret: {"hour": 8, "minute": 20}
